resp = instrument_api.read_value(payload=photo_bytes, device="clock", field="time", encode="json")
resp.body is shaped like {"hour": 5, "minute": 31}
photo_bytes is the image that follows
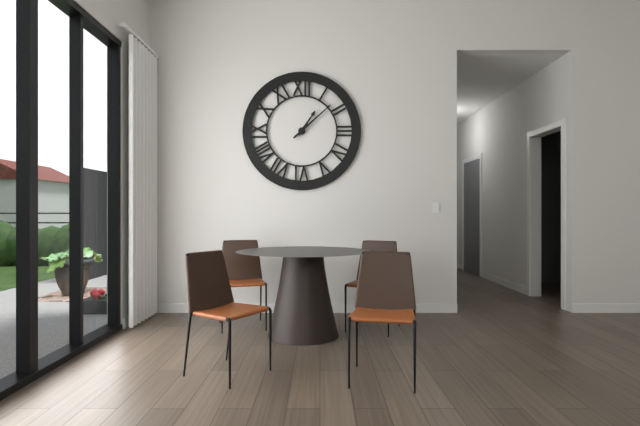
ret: {"hour": 1, "minute": 8}
